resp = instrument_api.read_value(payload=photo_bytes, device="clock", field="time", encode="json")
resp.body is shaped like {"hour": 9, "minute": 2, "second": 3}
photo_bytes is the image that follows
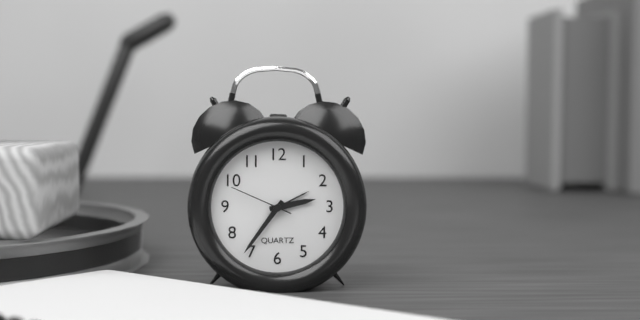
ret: {"hour": 2, "minute": 36, "second": 49}
